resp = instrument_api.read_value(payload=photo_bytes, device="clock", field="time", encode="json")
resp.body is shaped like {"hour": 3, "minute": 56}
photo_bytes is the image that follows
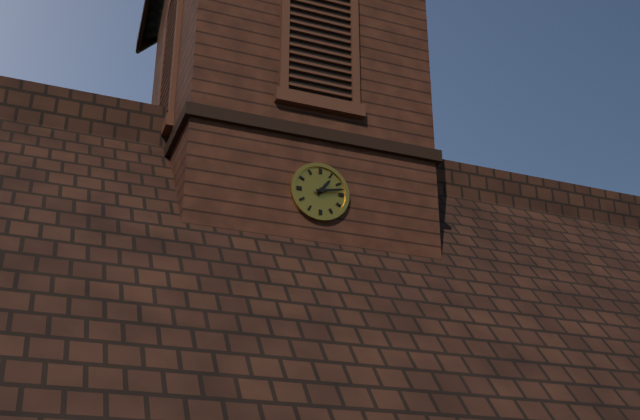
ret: {"hour": 1, "minute": 13}
